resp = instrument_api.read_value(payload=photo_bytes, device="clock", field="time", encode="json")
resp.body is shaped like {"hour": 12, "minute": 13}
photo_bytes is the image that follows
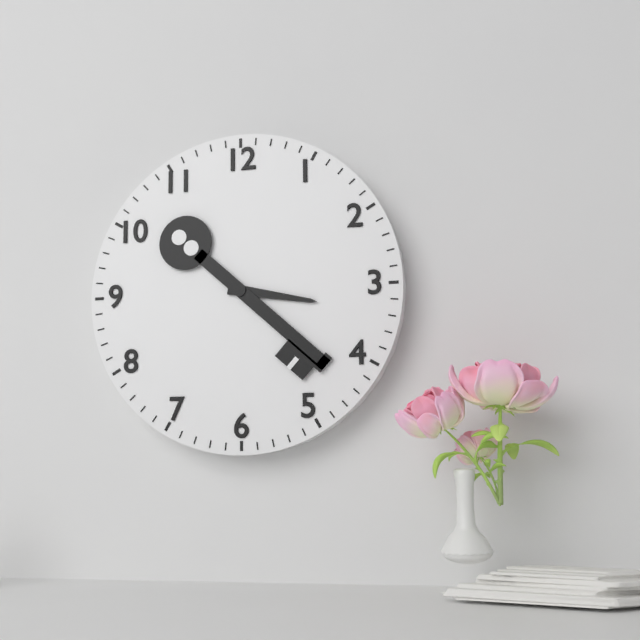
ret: {"hour": 3, "minute": 22}
